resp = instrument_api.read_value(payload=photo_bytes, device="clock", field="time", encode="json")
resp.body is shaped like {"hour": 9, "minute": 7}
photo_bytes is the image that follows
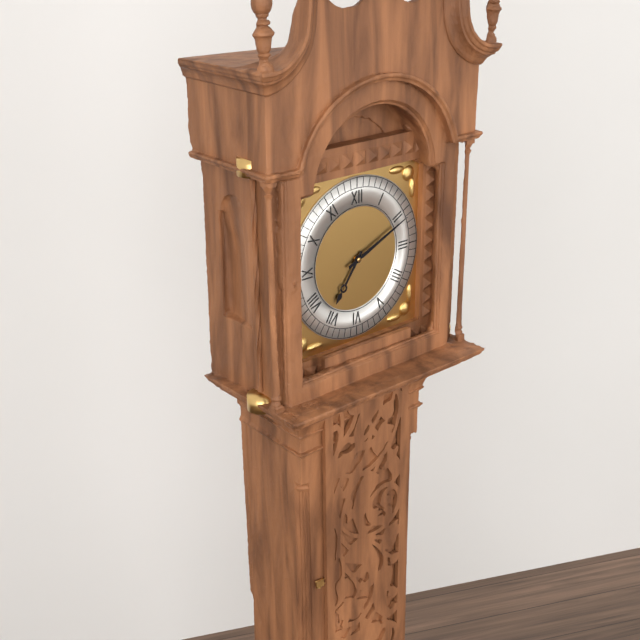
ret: {"hour": 7, "minute": 11}
